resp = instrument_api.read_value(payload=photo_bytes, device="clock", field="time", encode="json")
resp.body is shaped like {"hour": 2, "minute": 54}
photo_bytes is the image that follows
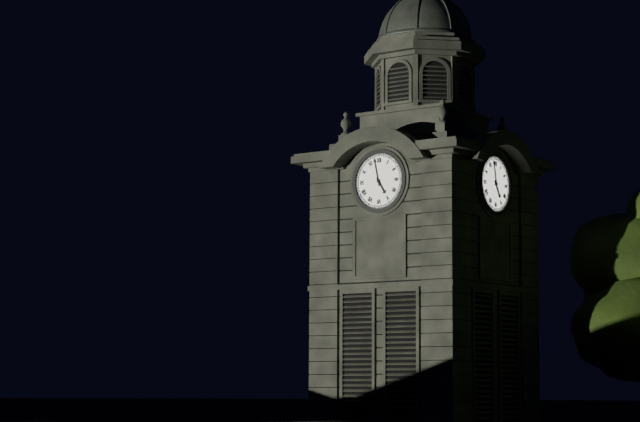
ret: {"hour": 4, "minute": 58}
